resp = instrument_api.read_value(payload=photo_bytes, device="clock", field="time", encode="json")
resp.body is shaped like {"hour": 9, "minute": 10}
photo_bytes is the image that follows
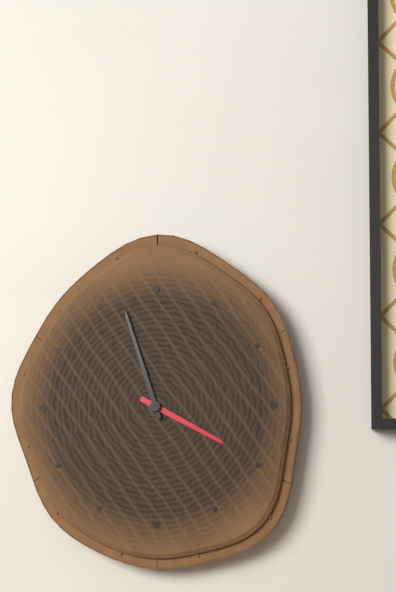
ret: {"hour": 3, "minute": 57}
